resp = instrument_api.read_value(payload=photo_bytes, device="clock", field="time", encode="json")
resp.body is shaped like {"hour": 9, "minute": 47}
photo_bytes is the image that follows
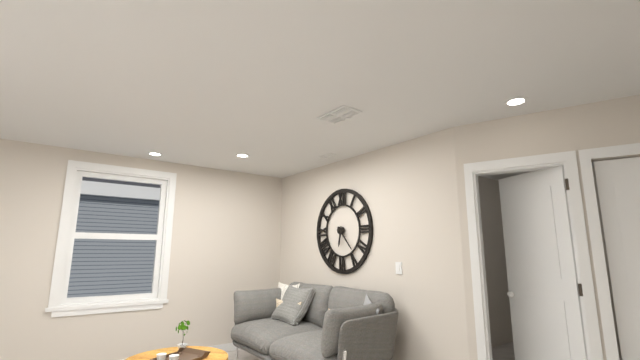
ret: {"hour": 6, "minute": 23}
